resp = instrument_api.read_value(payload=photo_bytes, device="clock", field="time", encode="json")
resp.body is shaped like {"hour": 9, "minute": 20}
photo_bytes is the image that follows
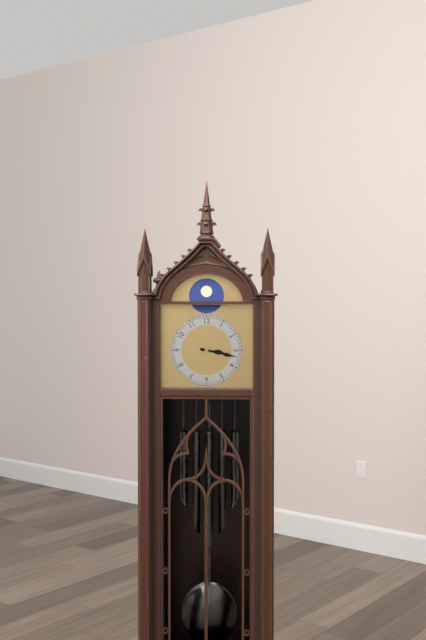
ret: {"hour": 3, "minute": 17}
